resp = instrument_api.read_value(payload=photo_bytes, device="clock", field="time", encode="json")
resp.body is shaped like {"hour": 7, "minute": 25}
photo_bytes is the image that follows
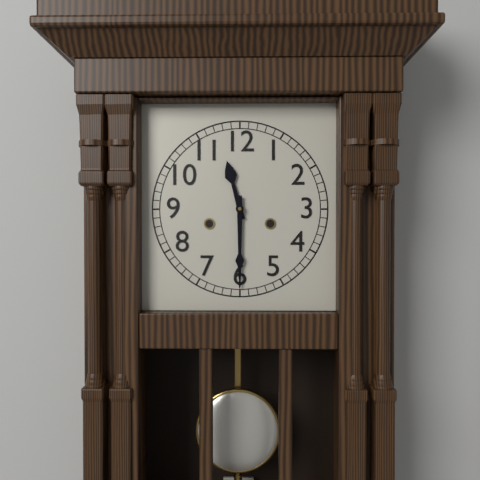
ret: {"hour": 11, "minute": 30}
